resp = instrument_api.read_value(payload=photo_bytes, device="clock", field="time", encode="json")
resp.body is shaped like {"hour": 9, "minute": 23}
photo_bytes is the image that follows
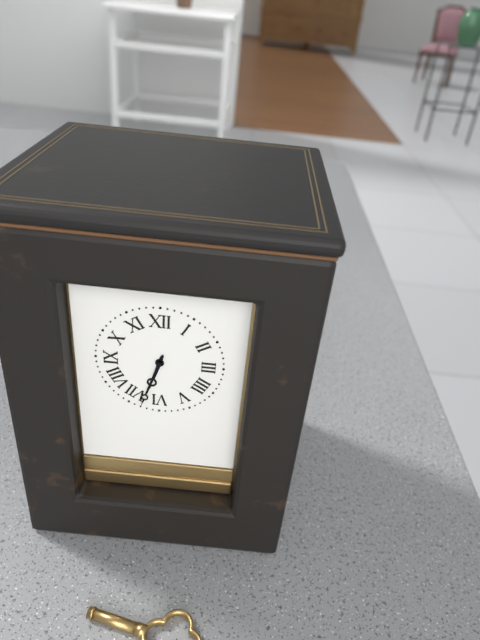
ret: {"hour": 6, "minute": 33}
